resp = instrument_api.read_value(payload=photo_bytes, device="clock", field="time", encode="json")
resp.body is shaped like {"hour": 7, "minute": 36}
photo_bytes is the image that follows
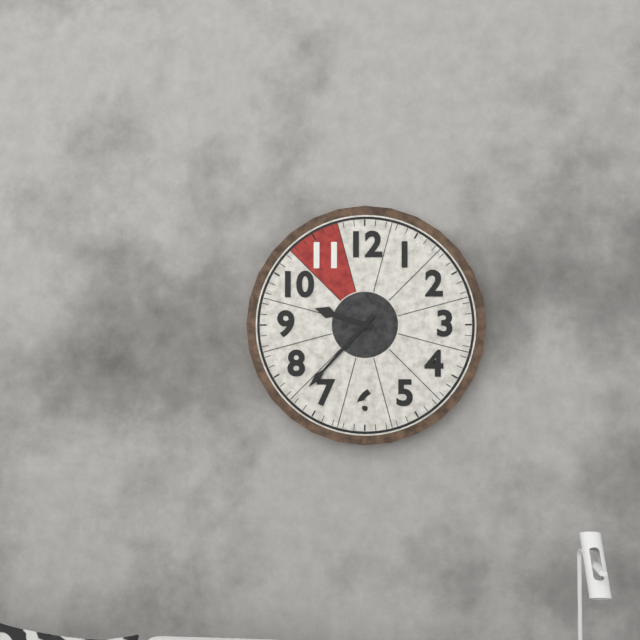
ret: {"hour": 9, "minute": 37}
